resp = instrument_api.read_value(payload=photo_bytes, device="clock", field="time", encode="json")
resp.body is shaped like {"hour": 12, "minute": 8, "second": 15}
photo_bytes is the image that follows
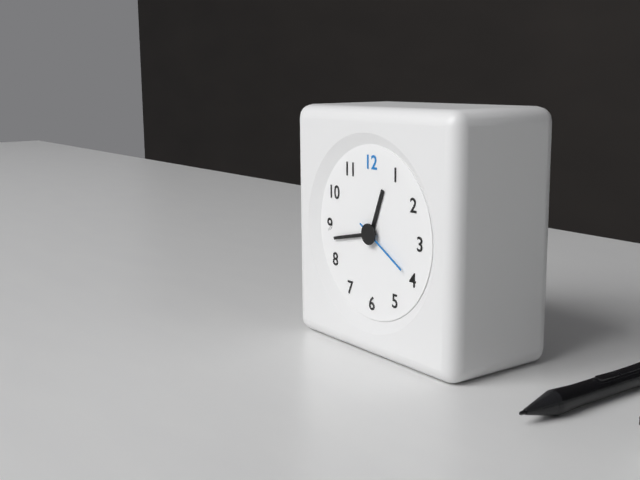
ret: {"hour": 12, "minute": 43, "second": 20}
